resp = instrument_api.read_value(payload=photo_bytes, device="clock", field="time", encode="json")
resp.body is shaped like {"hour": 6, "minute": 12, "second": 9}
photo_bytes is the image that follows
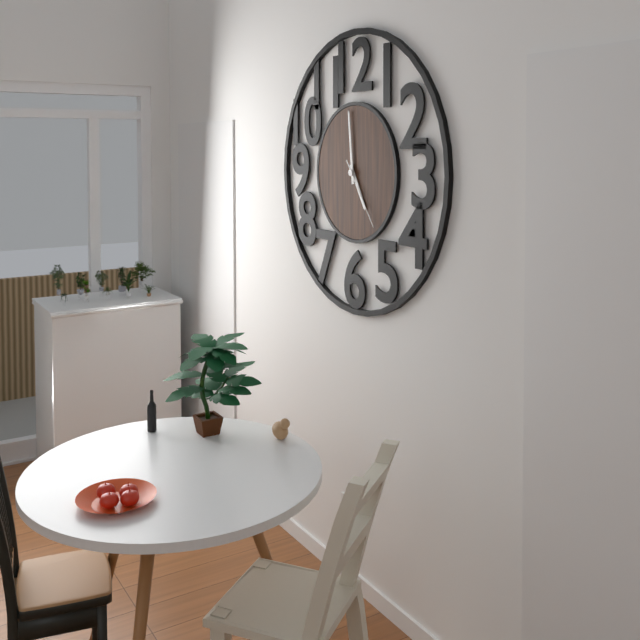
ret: {"hour": 4, "minute": 59, "second": 24}
